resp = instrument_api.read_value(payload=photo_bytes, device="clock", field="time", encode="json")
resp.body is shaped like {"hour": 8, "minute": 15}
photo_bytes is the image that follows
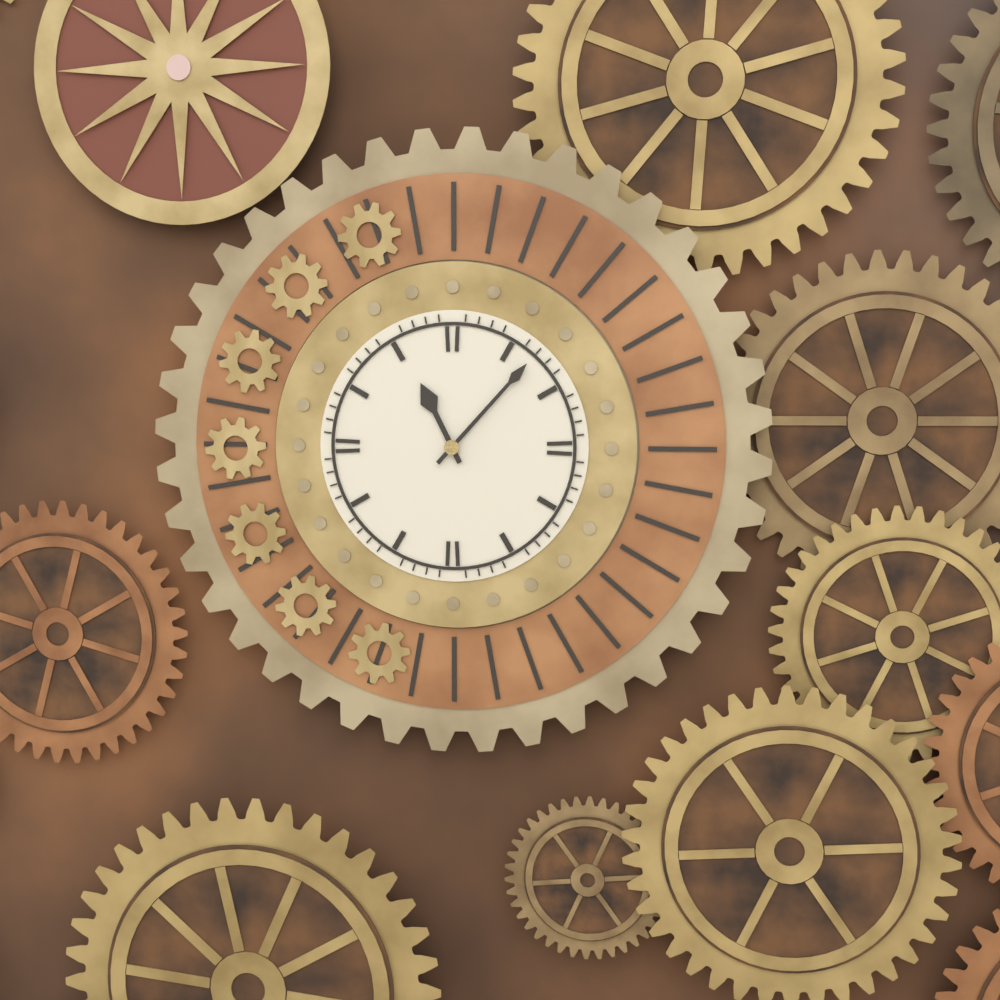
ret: {"hour": 11, "minute": 7}
